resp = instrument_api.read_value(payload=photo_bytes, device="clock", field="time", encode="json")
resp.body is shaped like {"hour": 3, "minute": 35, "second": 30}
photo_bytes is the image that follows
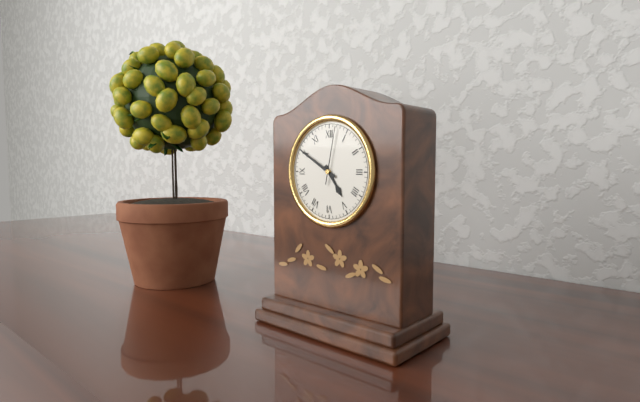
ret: {"hour": 4, "minute": 50, "second": 2}
